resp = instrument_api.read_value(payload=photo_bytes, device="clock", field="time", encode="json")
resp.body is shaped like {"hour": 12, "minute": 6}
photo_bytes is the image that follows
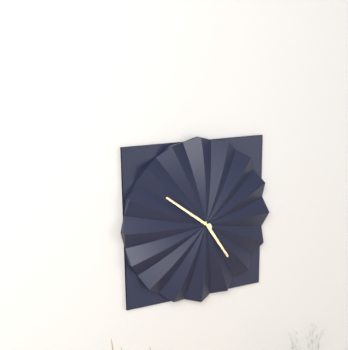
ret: {"hour": 4, "minute": 51}
